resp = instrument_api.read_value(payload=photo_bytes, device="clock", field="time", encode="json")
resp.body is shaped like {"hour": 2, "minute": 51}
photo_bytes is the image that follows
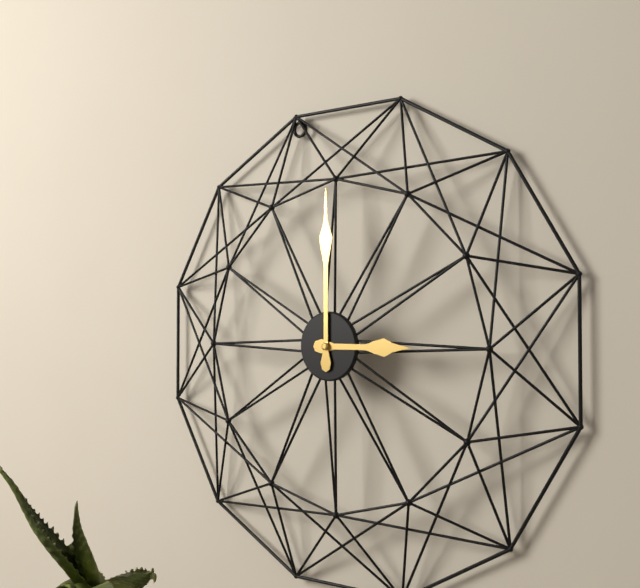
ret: {"hour": 3, "minute": 0}
